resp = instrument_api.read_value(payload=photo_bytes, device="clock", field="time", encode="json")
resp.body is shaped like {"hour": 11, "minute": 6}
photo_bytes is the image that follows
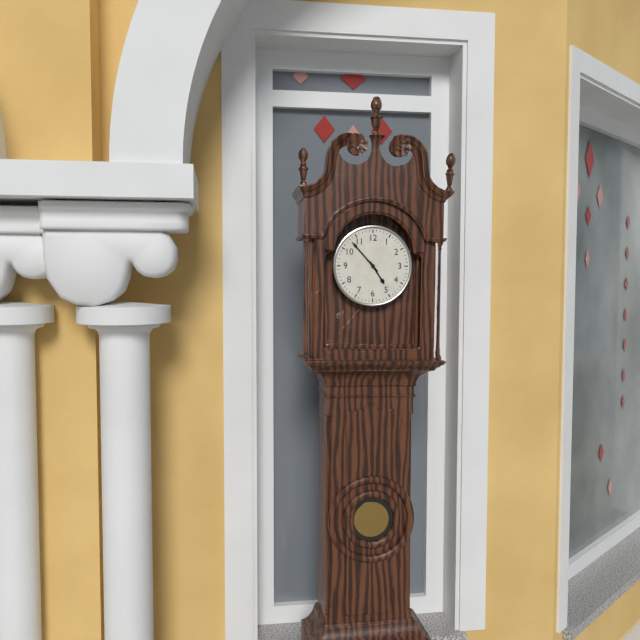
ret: {"hour": 4, "minute": 53}
